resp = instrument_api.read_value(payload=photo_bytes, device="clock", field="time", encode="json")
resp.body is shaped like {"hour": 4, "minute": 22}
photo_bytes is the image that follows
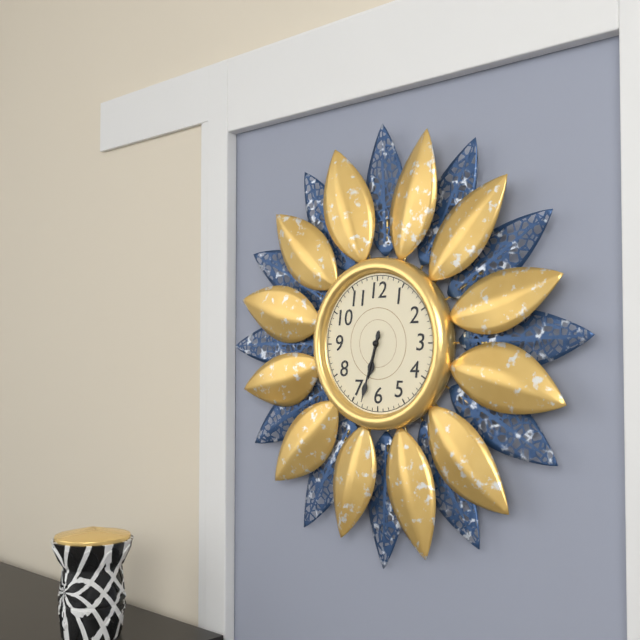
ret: {"hour": 6, "minute": 33}
